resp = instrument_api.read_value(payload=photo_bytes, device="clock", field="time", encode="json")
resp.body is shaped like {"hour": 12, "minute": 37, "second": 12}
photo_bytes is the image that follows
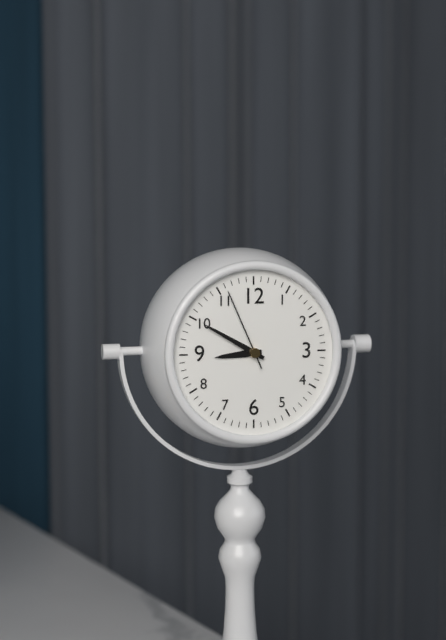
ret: {"hour": 8, "minute": 50, "second": 56}
